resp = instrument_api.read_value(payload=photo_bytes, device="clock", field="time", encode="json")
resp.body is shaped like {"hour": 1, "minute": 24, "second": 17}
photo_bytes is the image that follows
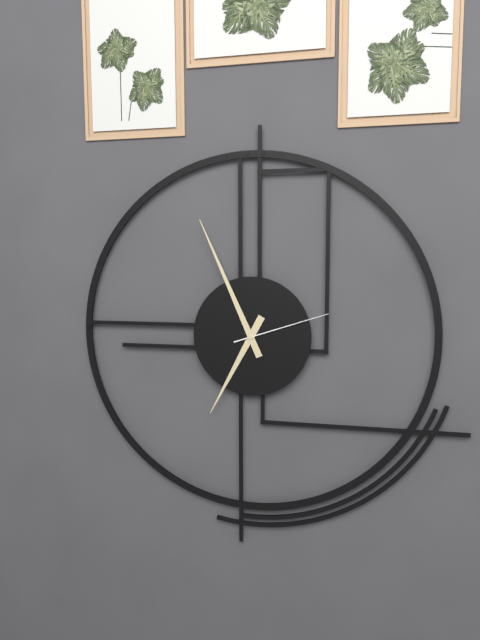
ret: {"hour": 6, "minute": 56, "second": 12}
